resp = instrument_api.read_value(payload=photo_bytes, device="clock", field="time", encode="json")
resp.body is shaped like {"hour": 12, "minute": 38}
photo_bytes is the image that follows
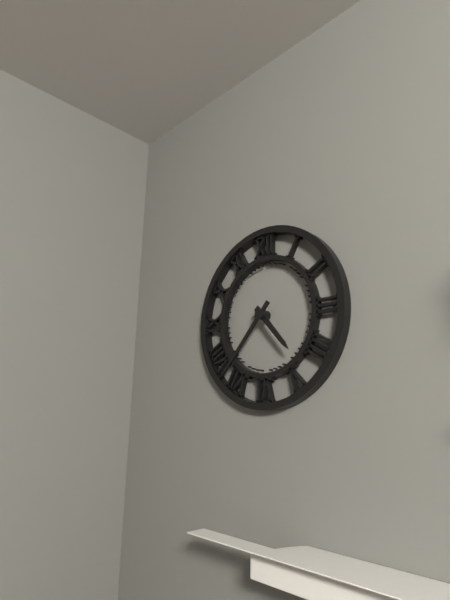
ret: {"hour": 4, "minute": 37}
